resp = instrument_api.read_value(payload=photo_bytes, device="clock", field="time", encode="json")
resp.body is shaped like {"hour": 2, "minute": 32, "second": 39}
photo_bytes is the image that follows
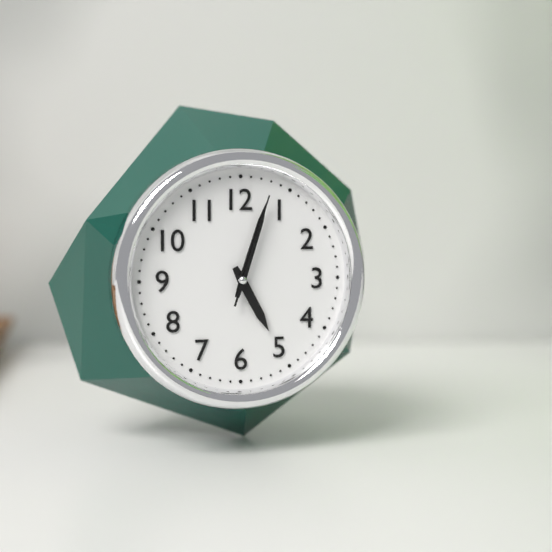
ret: {"hour": 5, "minute": 3, "second": 3}
